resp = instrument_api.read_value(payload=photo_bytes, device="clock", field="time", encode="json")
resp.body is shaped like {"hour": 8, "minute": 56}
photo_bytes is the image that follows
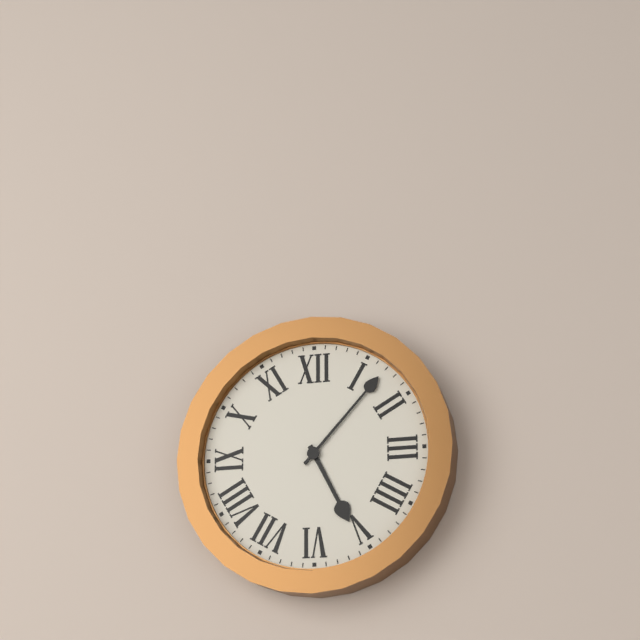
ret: {"hour": 5, "minute": 7}
